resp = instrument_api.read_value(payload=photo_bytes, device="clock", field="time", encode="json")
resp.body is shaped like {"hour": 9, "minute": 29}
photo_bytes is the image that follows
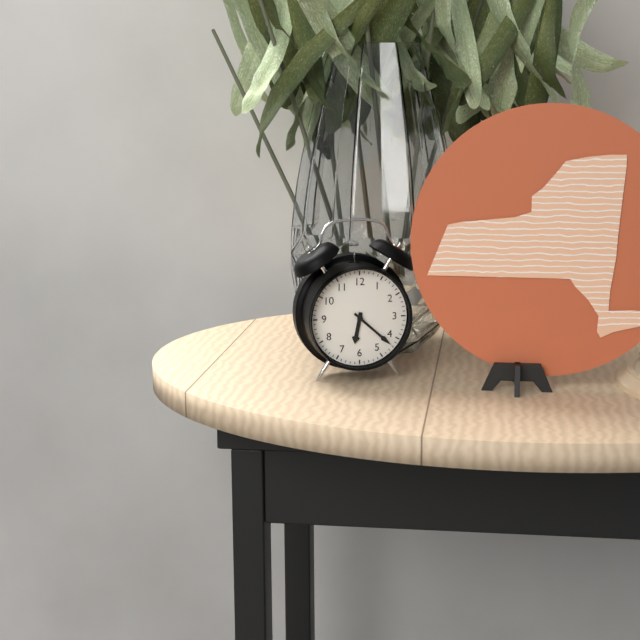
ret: {"hour": 6, "minute": 22}
